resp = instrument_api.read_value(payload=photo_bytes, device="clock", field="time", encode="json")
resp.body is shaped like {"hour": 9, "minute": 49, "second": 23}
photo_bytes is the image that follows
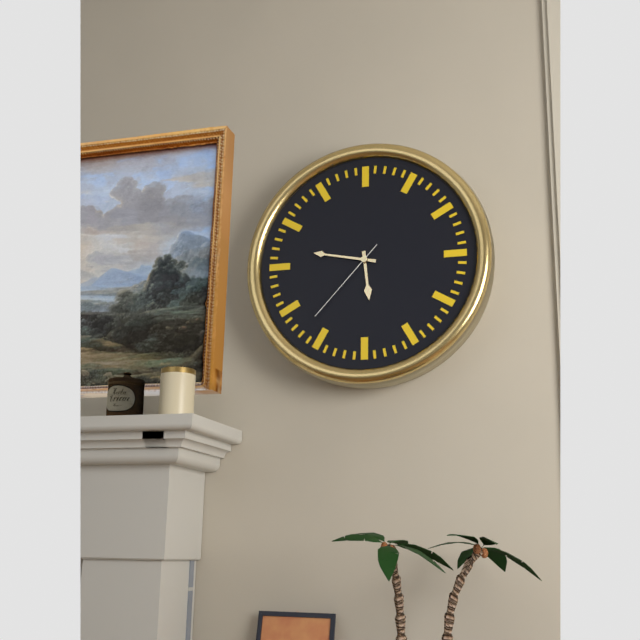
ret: {"hour": 5, "minute": 47, "second": 37}
